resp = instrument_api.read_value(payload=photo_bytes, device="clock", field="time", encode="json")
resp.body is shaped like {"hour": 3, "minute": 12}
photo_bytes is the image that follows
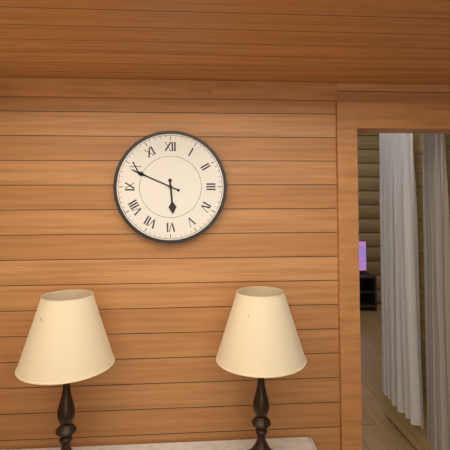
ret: {"hour": 5, "minute": 49}
